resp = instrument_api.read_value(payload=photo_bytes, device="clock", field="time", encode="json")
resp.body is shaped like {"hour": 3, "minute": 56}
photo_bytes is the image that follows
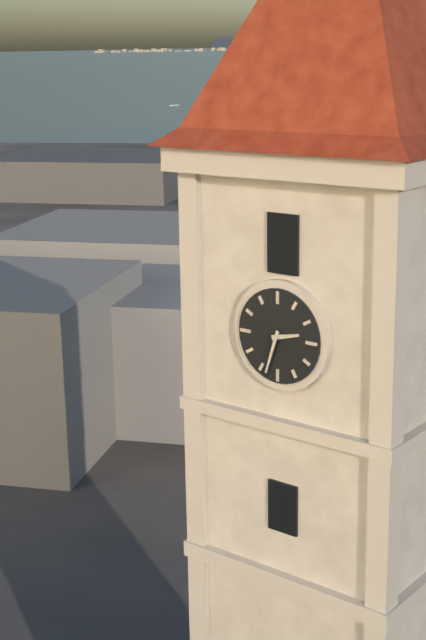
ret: {"hour": 2, "minute": 33}
